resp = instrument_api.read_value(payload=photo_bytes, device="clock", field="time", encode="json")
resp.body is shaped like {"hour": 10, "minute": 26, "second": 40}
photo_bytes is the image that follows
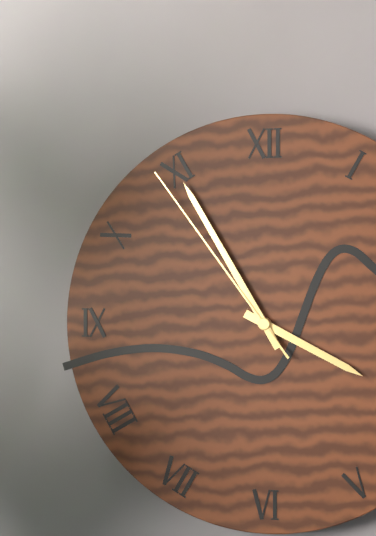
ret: {"hour": 3, "minute": 55, "second": 54}
